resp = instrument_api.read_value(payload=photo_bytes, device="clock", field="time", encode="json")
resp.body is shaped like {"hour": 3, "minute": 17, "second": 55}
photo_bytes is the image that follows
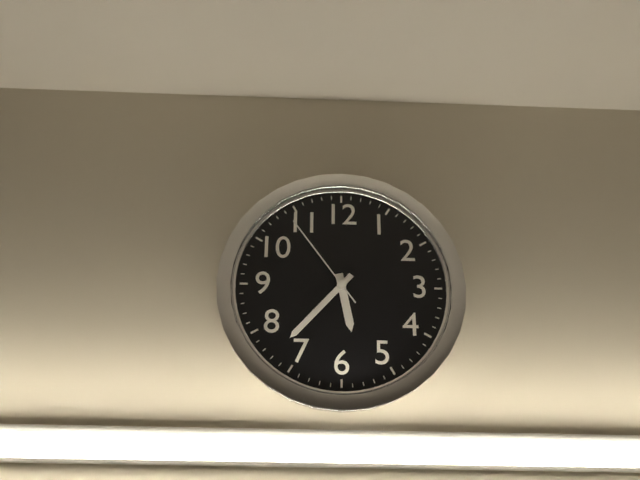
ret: {"hour": 5, "minute": 37, "second": 54}
